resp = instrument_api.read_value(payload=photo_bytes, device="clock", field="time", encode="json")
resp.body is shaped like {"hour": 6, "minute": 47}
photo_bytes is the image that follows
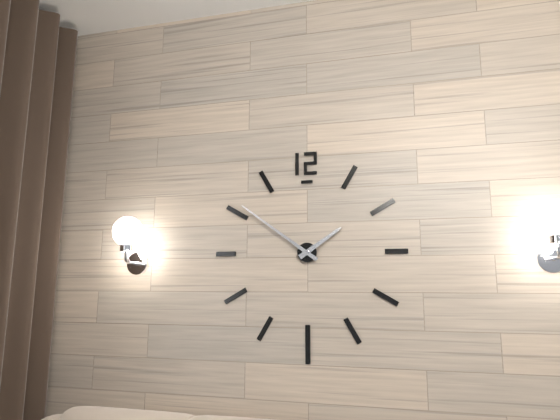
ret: {"hour": 1, "minute": 51}
